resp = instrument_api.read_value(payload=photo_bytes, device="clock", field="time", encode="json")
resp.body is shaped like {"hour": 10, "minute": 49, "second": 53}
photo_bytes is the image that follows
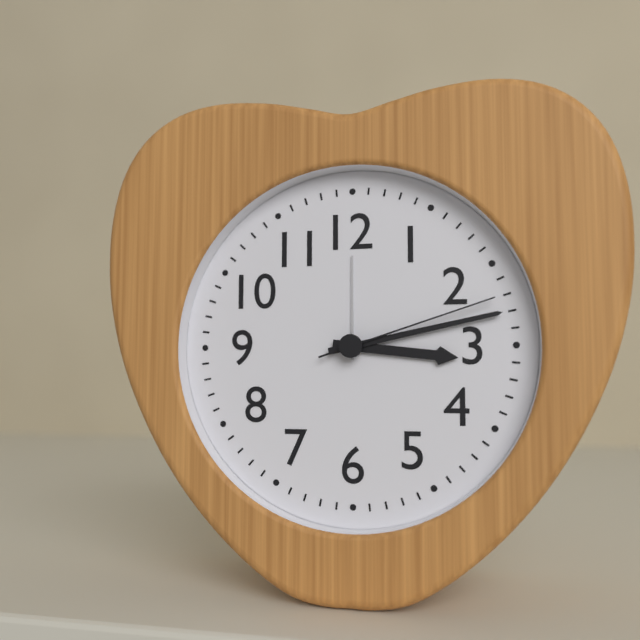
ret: {"hour": 3, "minute": 13, "second": 12}
